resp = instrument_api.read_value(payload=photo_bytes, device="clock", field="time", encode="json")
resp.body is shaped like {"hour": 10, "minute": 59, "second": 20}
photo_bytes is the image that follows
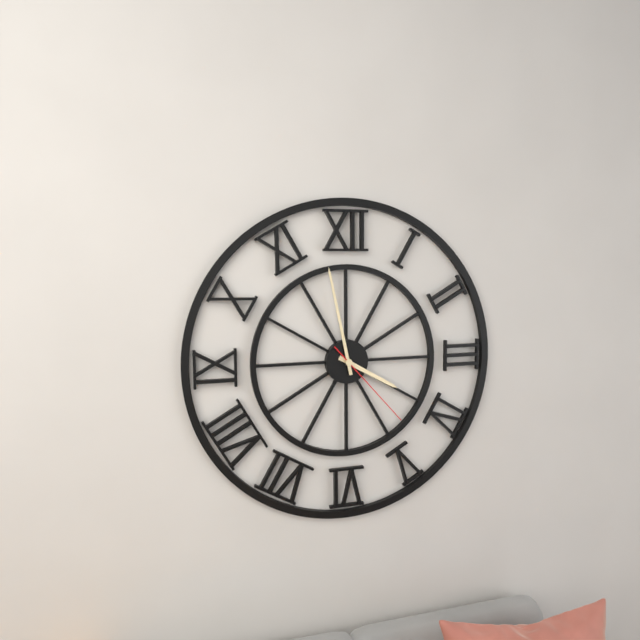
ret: {"hour": 3, "minute": 58, "second": 23}
